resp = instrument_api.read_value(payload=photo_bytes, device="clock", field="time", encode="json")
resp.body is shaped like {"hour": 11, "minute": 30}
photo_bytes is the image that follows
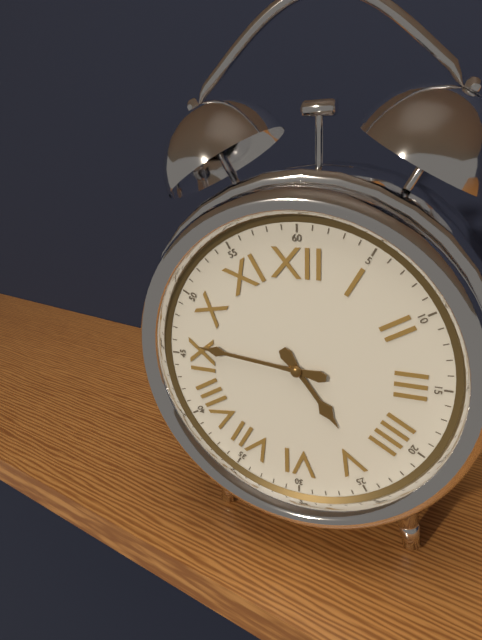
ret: {"hour": 4, "minute": 46}
